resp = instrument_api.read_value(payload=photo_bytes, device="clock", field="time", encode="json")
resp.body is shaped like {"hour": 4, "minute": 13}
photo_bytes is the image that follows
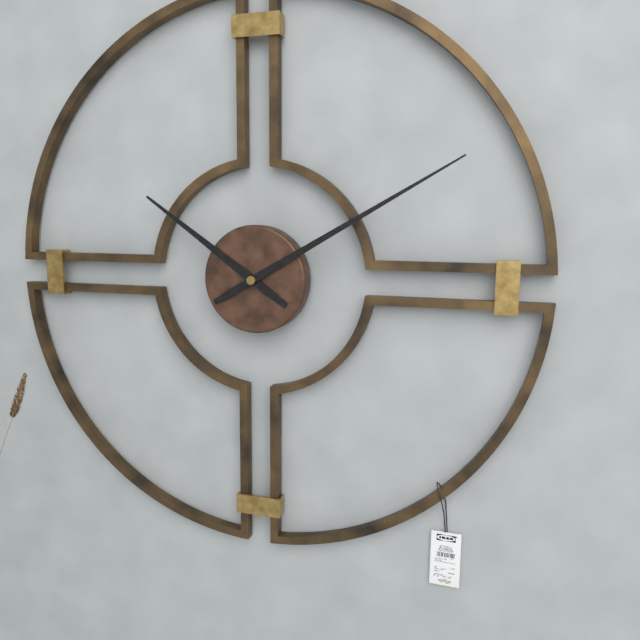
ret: {"hour": 10, "minute": 10}
